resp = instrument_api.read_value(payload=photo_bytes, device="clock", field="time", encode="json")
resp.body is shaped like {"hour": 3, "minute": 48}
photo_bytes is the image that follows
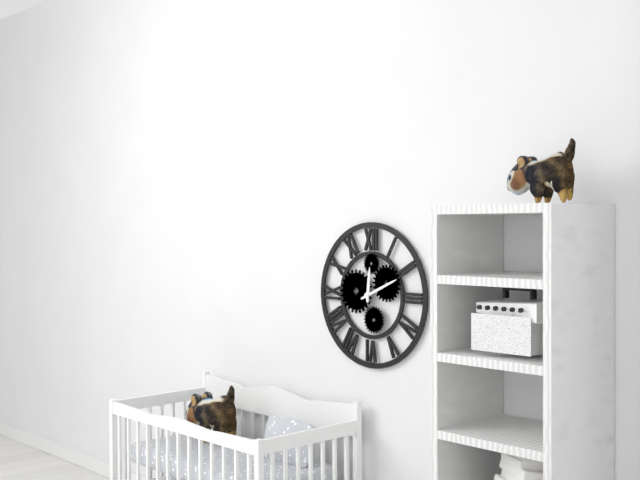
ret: {"hour": 12, "minute": 11}
